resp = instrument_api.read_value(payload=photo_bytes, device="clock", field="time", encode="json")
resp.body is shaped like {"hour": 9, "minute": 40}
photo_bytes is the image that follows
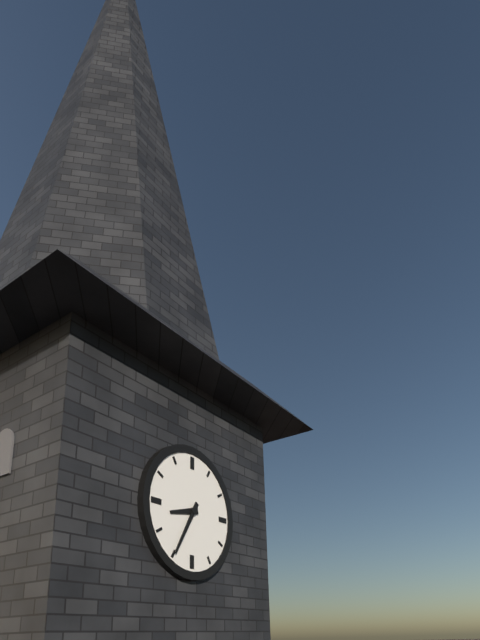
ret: {"hour": 8, "minute": 35}
